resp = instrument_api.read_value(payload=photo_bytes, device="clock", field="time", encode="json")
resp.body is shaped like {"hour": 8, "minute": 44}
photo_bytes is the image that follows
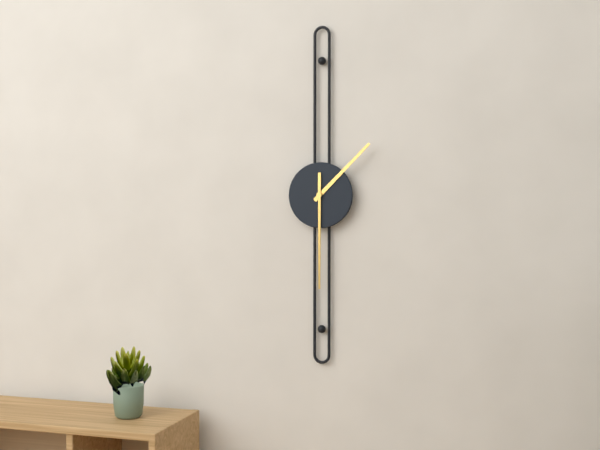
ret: {"hour": 1, "minute": 30}
